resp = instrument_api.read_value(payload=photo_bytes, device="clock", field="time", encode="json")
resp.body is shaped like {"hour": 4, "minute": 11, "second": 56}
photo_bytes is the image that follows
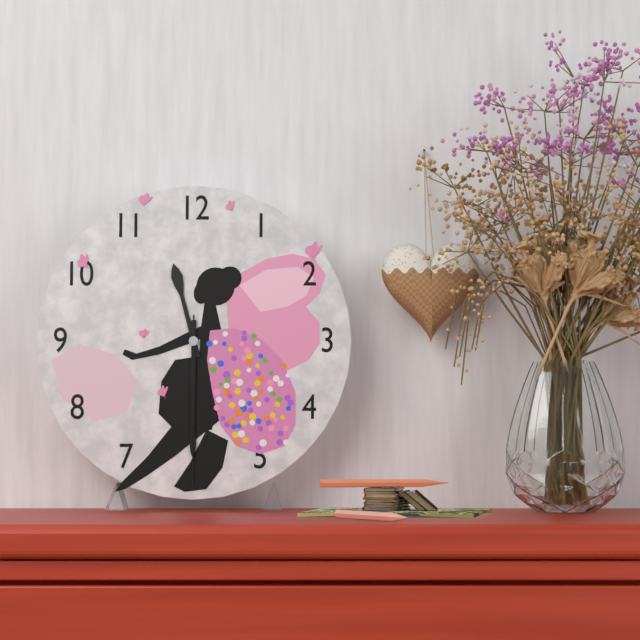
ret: {"hour": 11, "minute": 30, "second": 30}
